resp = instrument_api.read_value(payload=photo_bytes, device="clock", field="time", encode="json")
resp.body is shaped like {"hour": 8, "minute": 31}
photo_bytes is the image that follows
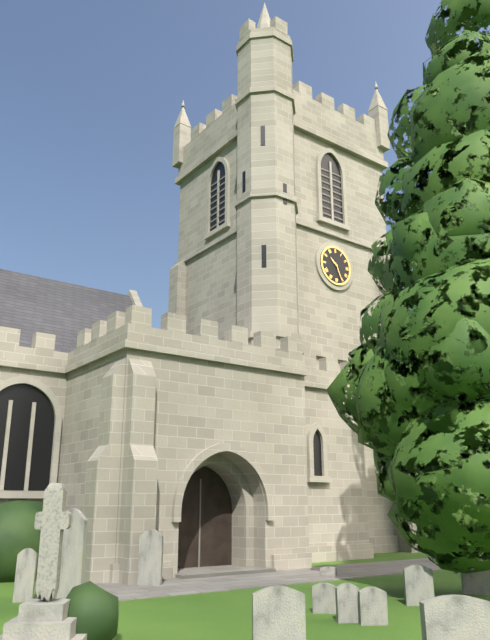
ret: {"hour": 10, "minute": 26}
